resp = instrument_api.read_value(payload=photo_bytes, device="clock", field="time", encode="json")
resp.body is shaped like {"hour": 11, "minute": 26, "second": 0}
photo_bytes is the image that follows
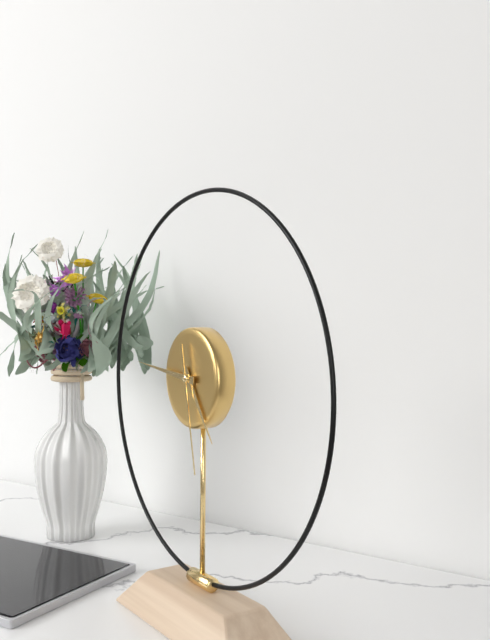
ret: {"hour": 4, "minute": 46, "second": 28}
